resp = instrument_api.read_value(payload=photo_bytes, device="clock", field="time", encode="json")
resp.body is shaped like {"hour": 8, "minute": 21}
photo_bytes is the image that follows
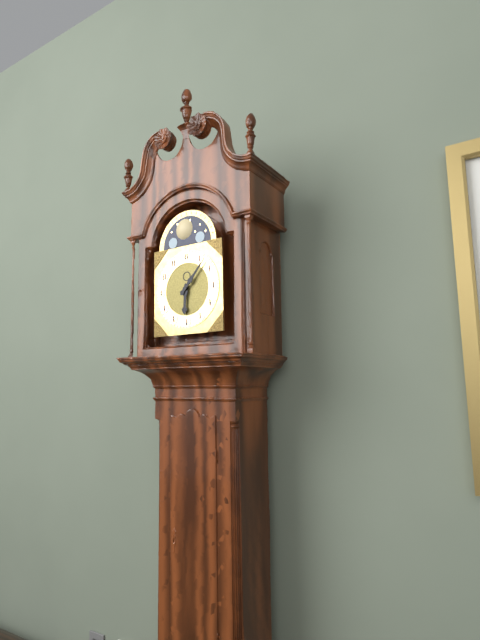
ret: {"hour": 6, "minute": 7}
